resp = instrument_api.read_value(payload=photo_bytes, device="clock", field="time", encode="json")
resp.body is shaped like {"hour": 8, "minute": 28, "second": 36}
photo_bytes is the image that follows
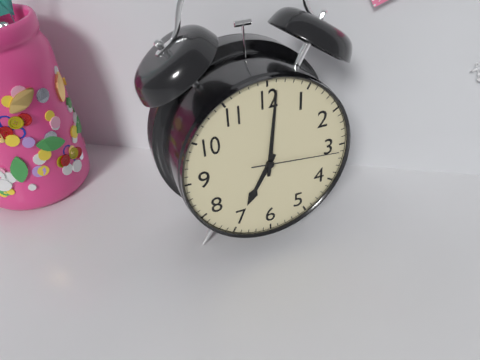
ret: {"hour": 7, "minute": 1, "second": 16}
